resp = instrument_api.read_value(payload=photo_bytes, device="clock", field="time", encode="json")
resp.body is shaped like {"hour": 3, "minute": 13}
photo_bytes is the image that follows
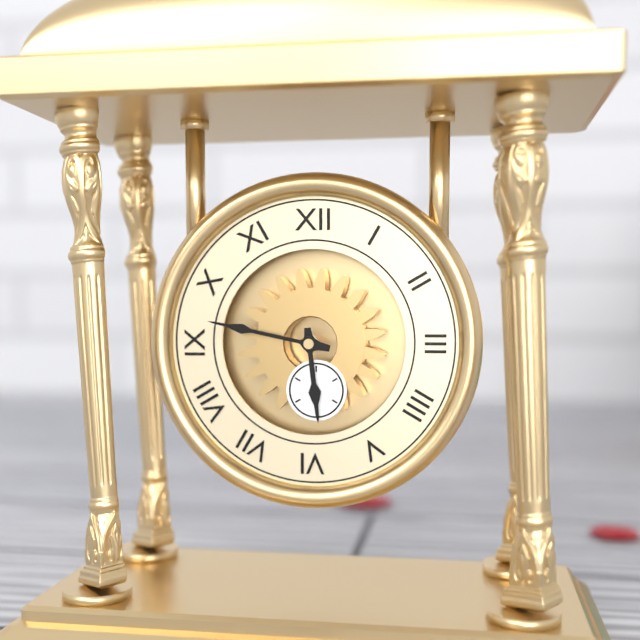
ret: {"hour": 5, "minute": 47}
